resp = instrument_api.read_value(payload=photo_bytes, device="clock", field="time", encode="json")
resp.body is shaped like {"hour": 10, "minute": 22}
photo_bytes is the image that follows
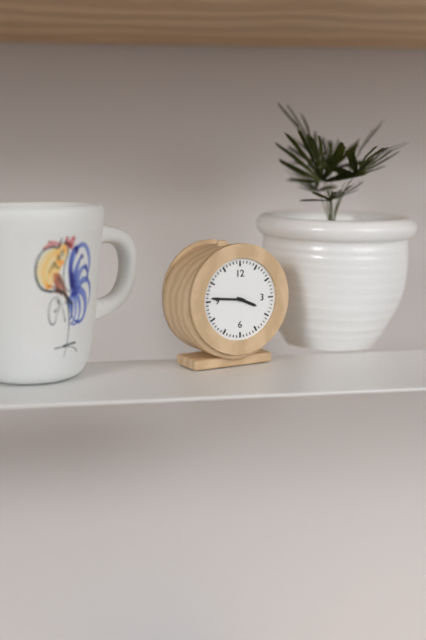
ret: {"hour": 3, "minute": 46}
